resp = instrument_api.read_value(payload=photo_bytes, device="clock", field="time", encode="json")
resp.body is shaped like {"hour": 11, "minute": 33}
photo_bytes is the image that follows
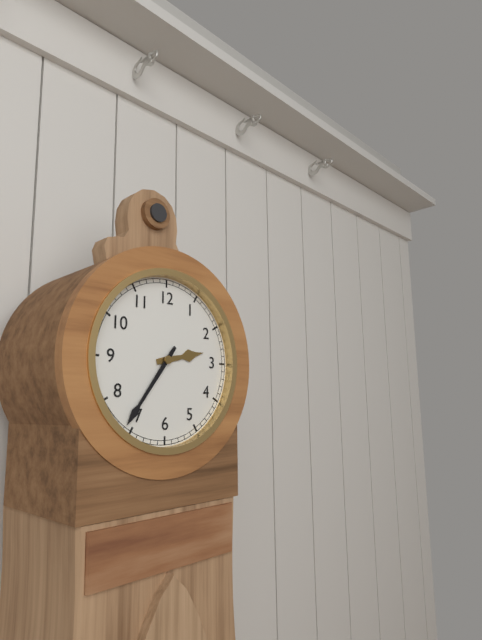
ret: {"hour": 2, "minute": 36}
